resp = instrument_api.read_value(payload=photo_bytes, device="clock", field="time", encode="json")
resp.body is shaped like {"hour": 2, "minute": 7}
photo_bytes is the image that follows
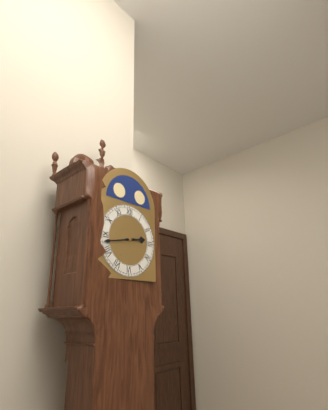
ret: {"hour": 2, "minute": 43}
